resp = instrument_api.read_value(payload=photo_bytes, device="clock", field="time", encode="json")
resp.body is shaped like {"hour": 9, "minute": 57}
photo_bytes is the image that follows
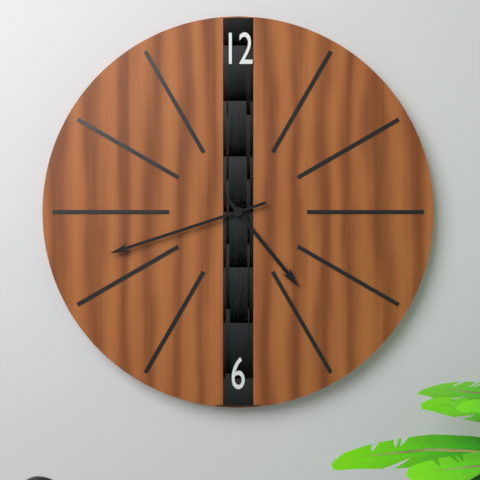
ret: {"hour": 4, "minute": 42}
